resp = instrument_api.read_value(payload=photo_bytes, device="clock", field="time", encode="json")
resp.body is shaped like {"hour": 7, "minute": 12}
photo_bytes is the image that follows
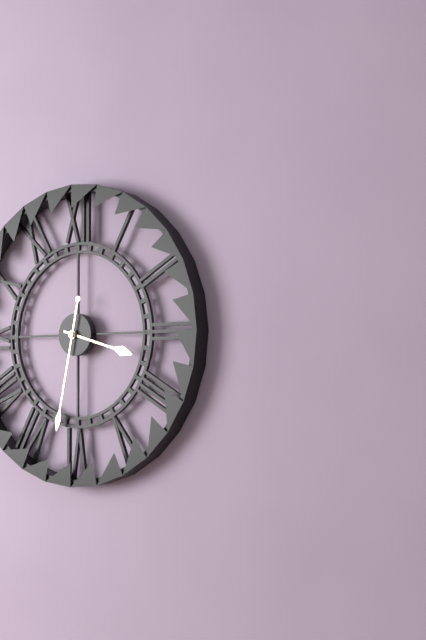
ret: {"hour": 3, "minute": 32}
